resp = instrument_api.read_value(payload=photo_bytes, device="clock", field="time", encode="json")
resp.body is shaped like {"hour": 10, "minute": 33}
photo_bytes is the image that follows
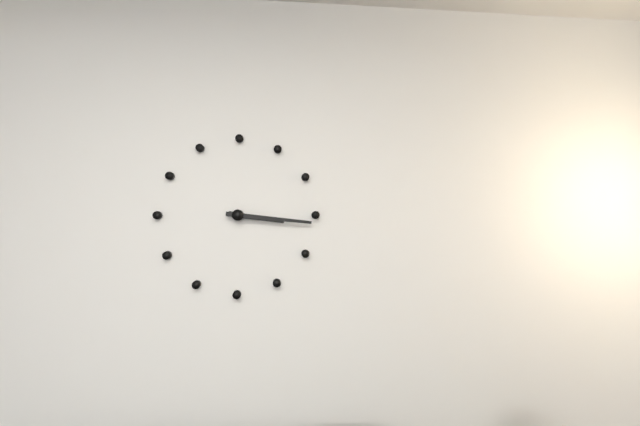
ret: {"hour": 3, "minute": 16}
